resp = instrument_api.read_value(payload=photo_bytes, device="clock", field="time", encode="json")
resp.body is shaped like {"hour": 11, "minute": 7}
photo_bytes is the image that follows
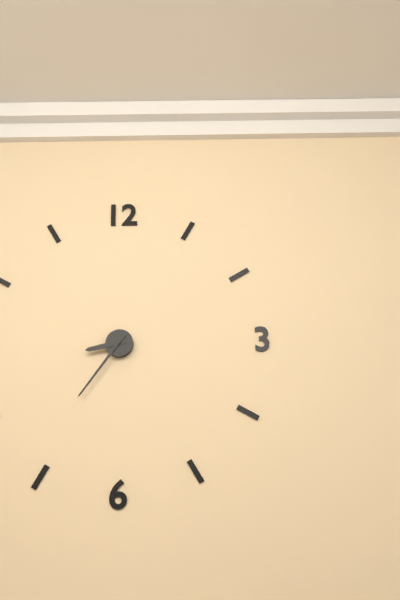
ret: {"hour": 8, "minute": 36}
